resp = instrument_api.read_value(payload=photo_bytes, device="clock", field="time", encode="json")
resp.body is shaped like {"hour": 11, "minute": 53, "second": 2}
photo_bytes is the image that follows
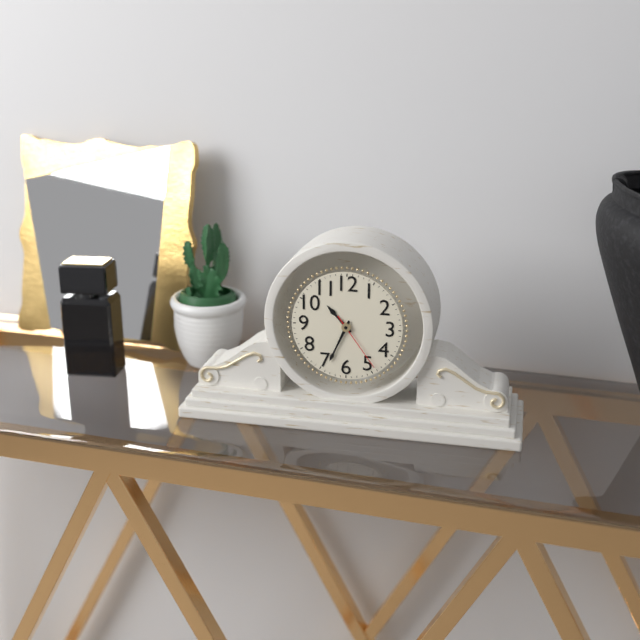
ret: {"hour": 10, "minute": 34, "second": 24}
